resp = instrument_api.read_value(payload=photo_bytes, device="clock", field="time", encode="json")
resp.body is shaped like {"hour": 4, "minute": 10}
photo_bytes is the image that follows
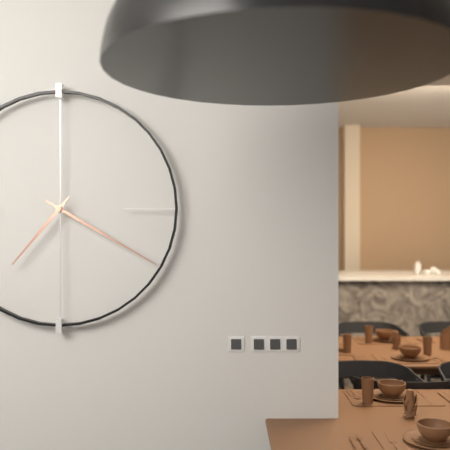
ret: {"hour": 7, "minute": 20}
